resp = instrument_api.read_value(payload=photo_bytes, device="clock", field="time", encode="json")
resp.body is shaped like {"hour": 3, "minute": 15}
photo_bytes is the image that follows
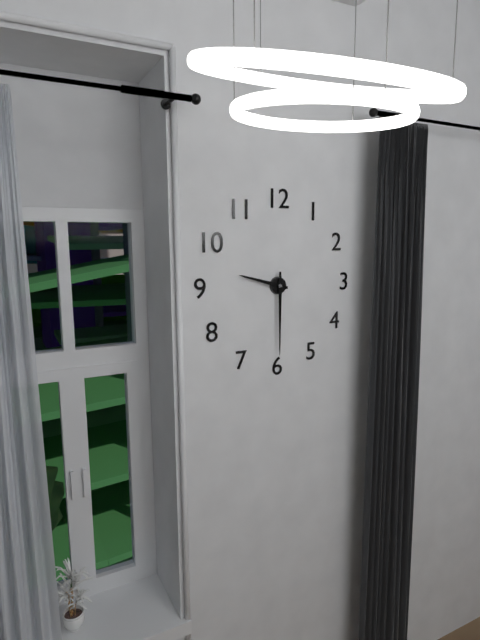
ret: {"hour": 9, "minute": 30}
